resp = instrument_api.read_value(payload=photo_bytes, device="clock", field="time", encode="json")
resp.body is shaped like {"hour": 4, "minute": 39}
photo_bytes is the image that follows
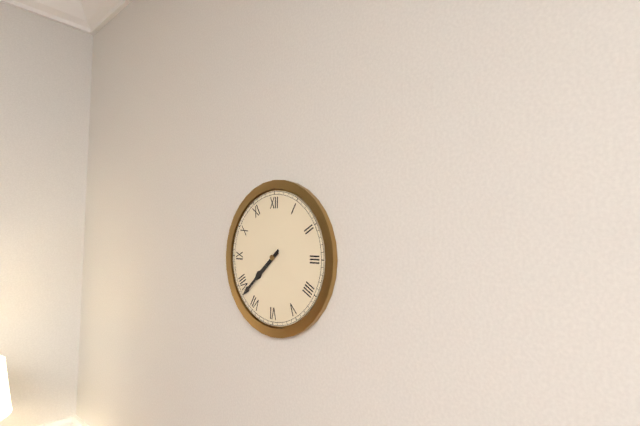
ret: {"hour": 7, "minute": 38}
